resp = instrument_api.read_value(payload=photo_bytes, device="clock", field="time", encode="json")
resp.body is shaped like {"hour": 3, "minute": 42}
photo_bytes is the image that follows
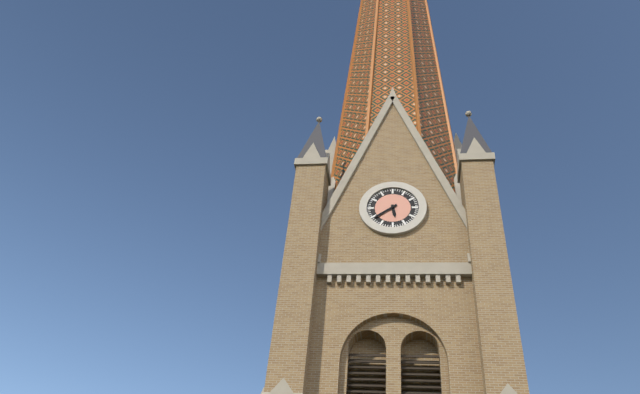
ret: {"hour": 5, "minute": 39}
